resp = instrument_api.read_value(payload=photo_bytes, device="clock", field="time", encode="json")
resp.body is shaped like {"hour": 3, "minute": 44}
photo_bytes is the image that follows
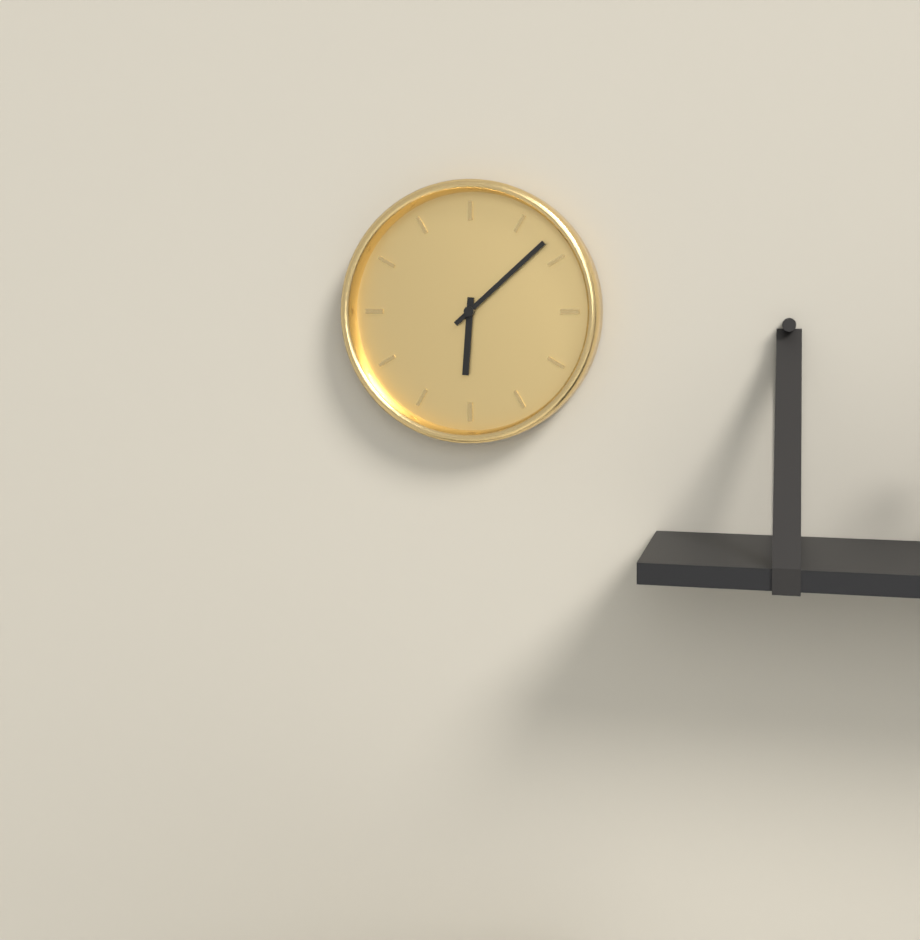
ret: {"hour": 6, "minute": 8}
